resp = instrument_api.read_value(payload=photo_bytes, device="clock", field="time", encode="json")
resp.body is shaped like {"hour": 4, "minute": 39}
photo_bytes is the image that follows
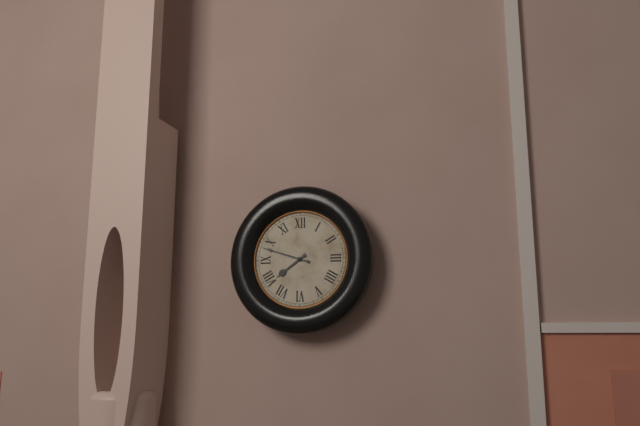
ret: {"hour": 7, "minute": 48}
